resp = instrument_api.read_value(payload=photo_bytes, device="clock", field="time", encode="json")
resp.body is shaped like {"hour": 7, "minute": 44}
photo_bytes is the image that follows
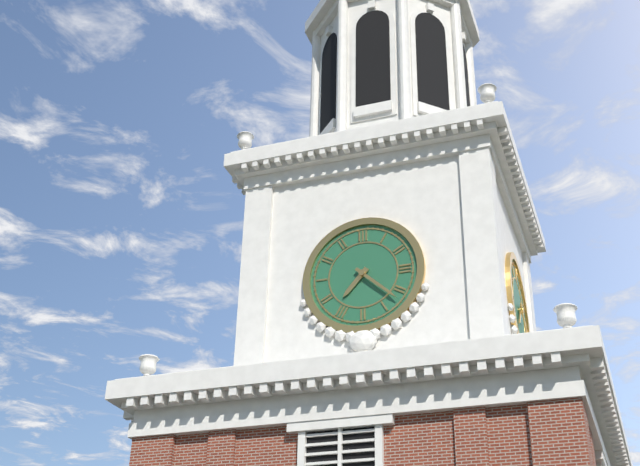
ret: {"hour": 7, "minute": 22}
